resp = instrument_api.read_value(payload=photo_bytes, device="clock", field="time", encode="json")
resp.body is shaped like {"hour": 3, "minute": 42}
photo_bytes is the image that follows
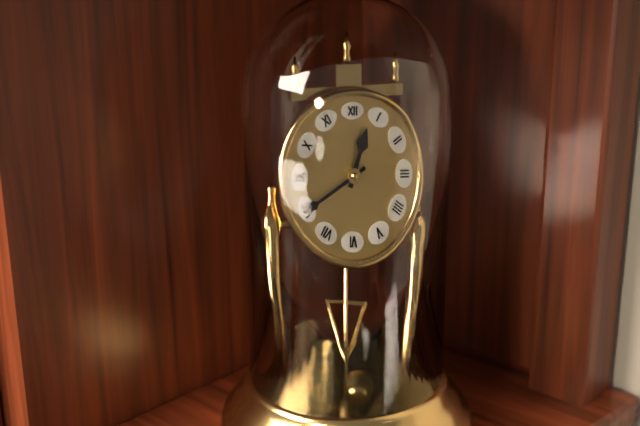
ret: {"hour": 12, "minute": 40}
